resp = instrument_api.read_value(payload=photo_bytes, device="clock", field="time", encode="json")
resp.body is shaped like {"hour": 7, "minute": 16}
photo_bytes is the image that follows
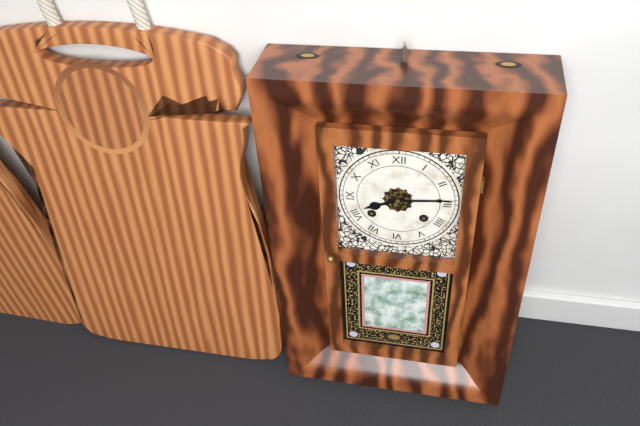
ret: {"hour": 8, "minute": 14}
